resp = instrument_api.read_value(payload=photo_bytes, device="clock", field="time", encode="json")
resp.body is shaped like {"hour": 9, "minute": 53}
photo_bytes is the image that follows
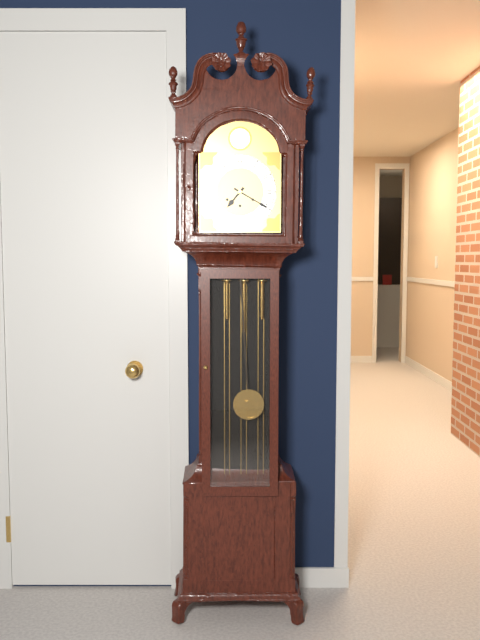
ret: {"hour": 7, "minute": 20}
